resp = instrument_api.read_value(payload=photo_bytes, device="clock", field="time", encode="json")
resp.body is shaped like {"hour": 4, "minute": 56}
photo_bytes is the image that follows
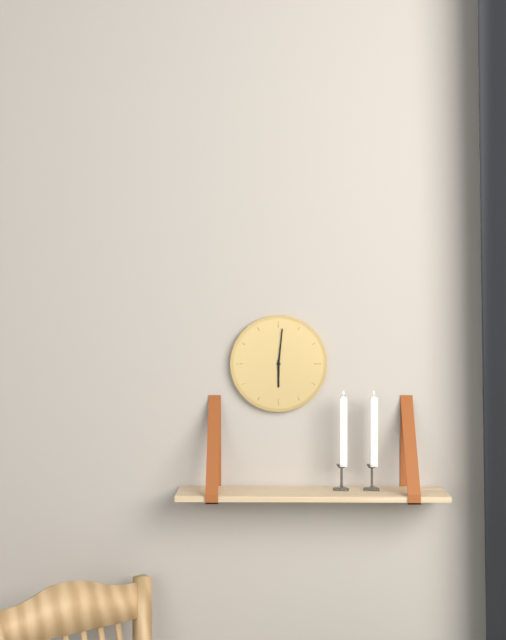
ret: {"hour": 6, "minute": 1}
